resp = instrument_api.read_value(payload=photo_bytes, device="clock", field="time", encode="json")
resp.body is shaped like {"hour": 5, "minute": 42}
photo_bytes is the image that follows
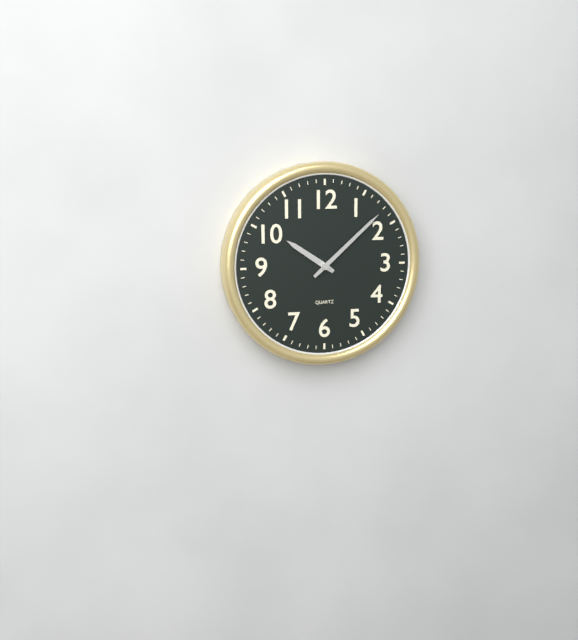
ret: {"hour": 10, "minute": 8}
